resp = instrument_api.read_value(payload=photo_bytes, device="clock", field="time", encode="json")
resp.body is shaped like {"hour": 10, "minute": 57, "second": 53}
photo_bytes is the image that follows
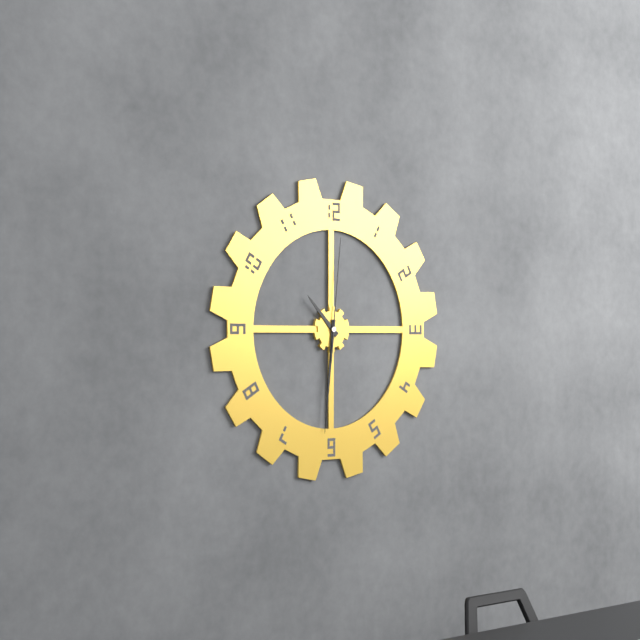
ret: {"hour": 10, "minute": 31, "second": 1}
